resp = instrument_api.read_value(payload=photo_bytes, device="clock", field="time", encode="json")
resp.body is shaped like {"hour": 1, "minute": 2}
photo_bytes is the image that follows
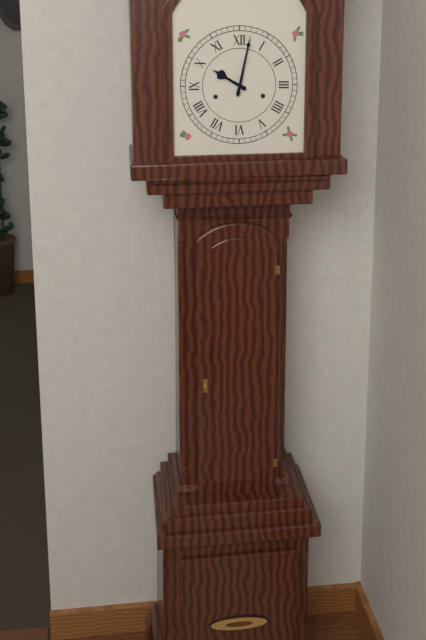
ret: {"hour": 10, "minute": 2}
